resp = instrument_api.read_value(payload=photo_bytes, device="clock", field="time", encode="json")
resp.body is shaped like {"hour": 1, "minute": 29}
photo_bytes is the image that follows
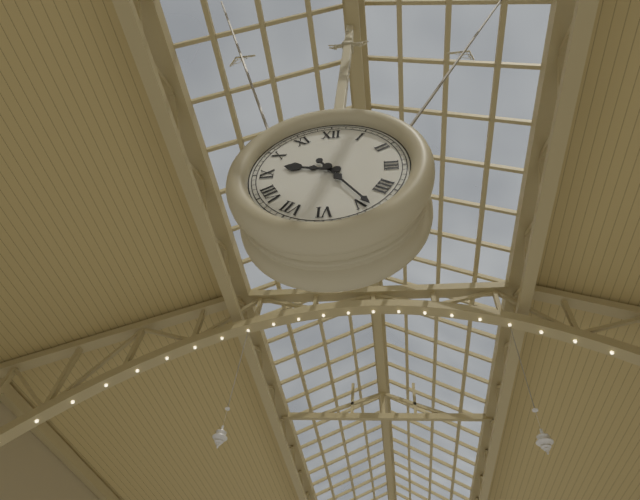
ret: {"hour": 9, "minute": 24}
